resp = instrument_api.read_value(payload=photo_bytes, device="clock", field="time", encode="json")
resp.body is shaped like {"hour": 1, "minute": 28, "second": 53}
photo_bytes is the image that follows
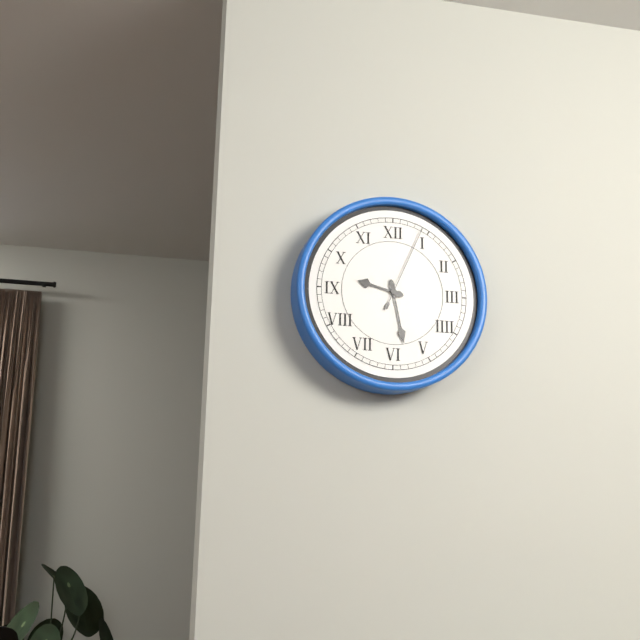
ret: {"hour": 9, "minute": 28, "second": 4}
